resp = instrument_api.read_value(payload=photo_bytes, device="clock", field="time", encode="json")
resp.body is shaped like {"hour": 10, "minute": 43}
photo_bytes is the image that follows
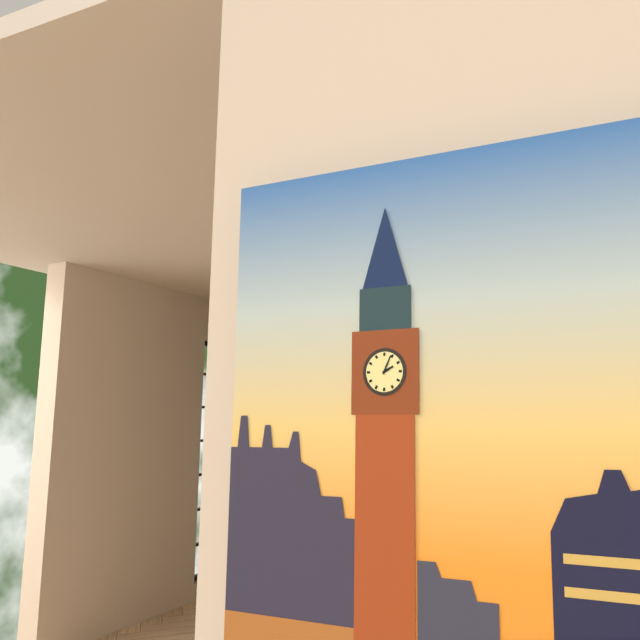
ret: {"hour": 2, "minute": 4}
